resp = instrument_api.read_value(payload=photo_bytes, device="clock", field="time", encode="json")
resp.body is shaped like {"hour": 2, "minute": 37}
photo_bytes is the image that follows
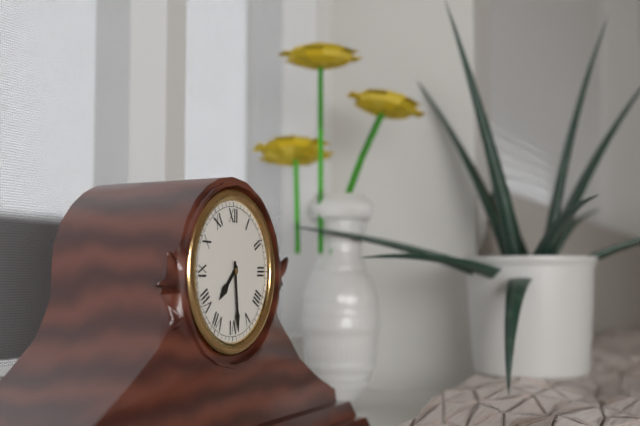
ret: {"hour": 7, "minute": 29}
